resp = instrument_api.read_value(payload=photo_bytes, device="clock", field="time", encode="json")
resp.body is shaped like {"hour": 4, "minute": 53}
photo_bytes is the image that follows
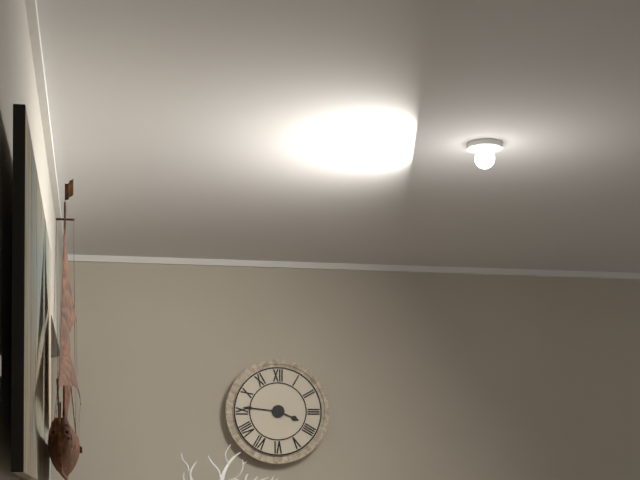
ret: {"hour": 3, "minute": 46}
